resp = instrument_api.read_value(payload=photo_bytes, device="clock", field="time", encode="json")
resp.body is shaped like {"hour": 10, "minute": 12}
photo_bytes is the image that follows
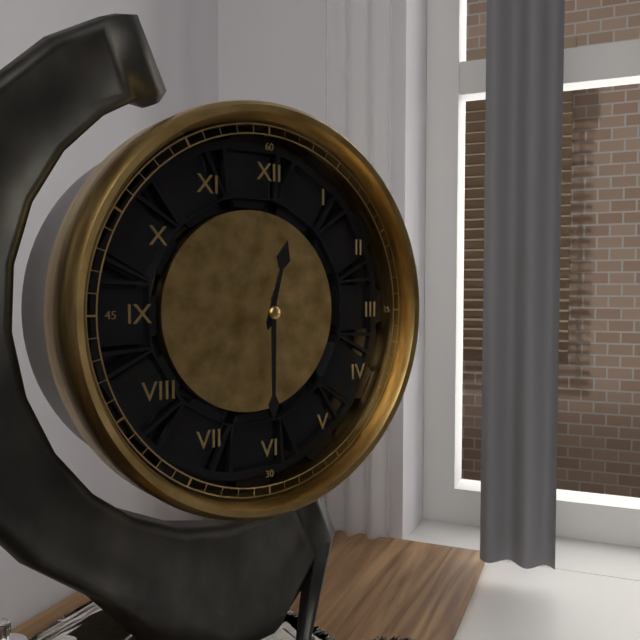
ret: {"hour": 12, "minute": 30}
